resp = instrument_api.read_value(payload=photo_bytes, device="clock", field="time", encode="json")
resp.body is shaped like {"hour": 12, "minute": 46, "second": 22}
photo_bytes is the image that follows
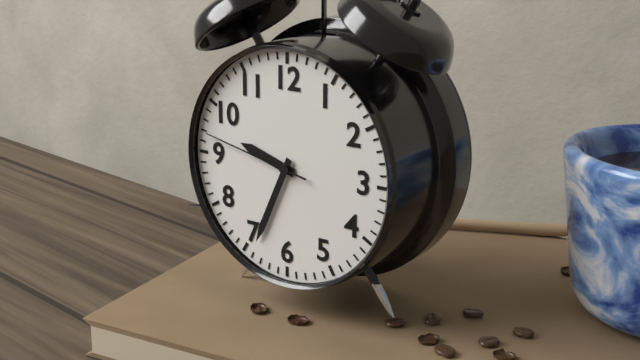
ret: {"hour": 9, "minute": 34, "second": 47}
